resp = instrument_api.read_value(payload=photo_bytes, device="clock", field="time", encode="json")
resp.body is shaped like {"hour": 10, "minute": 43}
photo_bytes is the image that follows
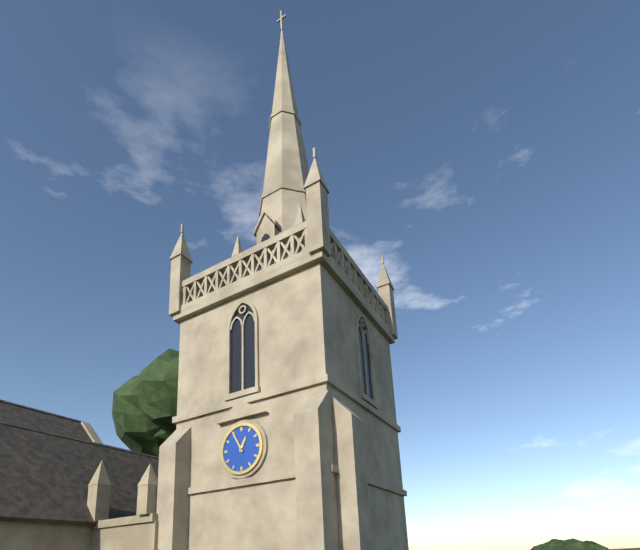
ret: {"hour": 12, "minute": 55}
